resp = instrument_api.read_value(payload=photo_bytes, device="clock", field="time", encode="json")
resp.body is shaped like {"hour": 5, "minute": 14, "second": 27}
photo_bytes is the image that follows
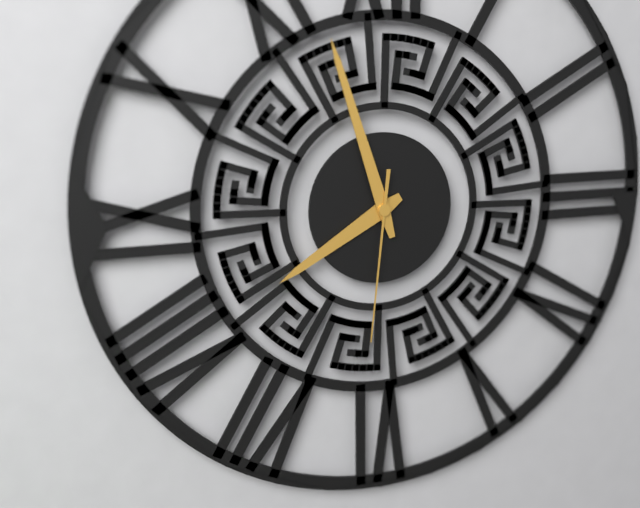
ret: {"hour": 7, "minute": 57, "second": 31}
